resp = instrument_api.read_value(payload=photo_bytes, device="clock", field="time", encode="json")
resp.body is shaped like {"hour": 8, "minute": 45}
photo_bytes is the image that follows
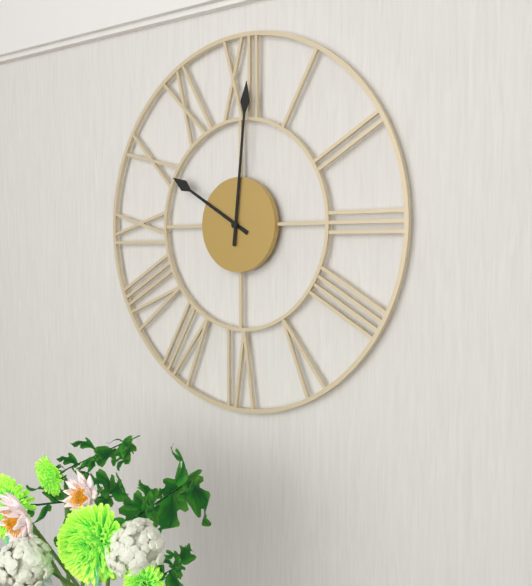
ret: {"hour": 10, "minute": 1}
